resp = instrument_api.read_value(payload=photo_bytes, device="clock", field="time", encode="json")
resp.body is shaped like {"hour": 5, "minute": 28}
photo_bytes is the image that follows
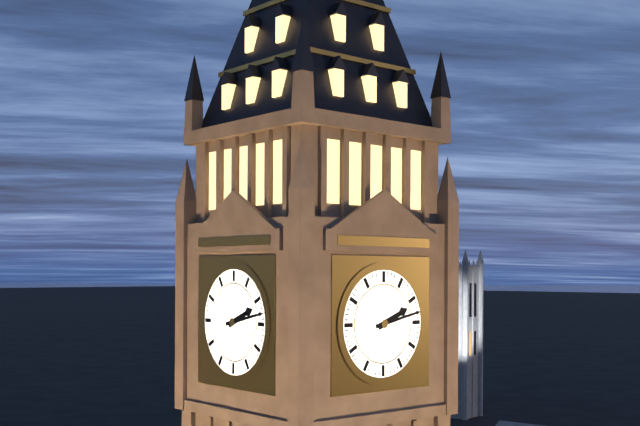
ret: {"hour": 2, "minute": 13}
